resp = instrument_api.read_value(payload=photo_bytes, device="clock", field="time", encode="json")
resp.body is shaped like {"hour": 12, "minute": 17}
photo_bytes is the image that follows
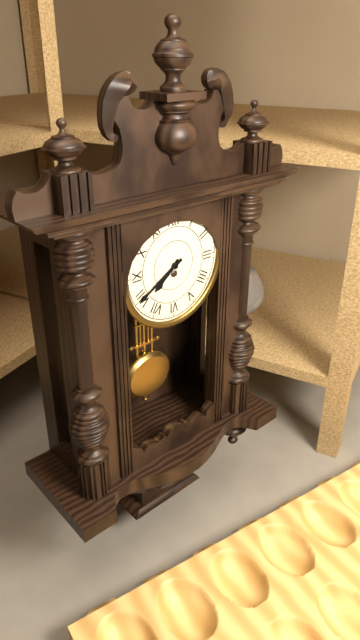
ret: {"hour": 7, "minute": 40}
